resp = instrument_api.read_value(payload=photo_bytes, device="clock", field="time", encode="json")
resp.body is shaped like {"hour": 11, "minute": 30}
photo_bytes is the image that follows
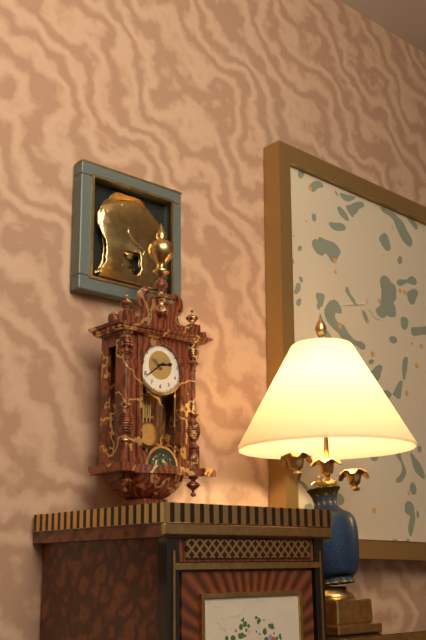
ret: {"hour": 2, "minute": 39}
